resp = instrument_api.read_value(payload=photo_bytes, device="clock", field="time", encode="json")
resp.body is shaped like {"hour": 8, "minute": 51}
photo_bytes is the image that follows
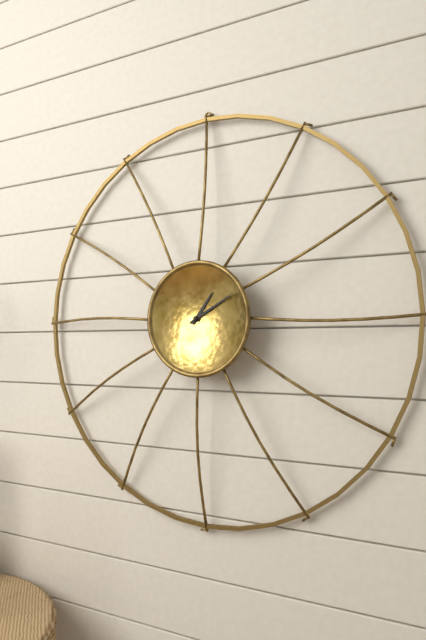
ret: {"hour": 1, "minute": 10}
